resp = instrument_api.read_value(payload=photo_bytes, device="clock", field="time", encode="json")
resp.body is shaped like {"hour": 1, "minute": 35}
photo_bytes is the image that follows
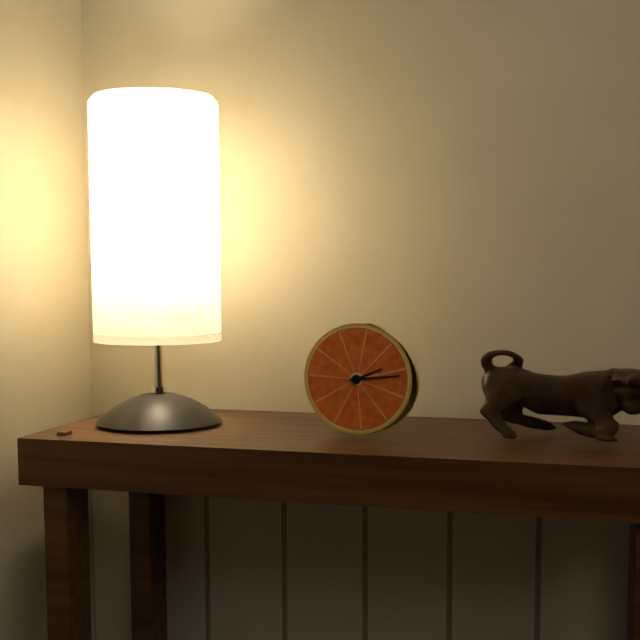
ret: {"hour": 2, "minute": 14}
